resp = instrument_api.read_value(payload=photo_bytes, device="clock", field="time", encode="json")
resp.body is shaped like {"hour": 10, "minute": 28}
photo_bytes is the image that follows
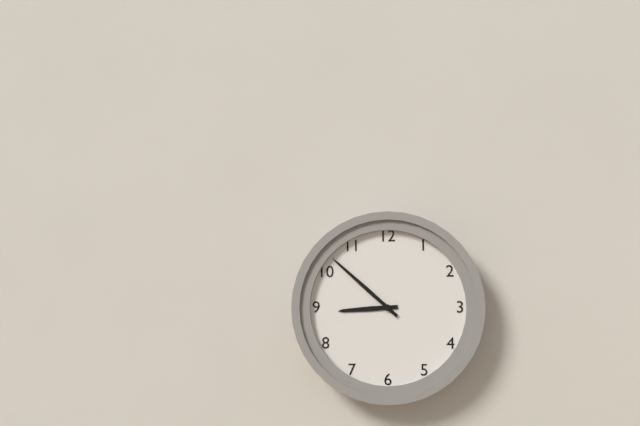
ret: {"hour": 8, "minute": 52}
